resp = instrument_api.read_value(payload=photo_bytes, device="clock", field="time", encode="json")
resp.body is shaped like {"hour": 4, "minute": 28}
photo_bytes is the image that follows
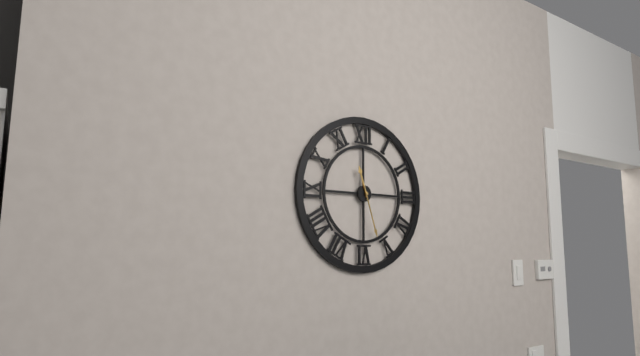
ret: {"hour": 11, "minute": 27}
